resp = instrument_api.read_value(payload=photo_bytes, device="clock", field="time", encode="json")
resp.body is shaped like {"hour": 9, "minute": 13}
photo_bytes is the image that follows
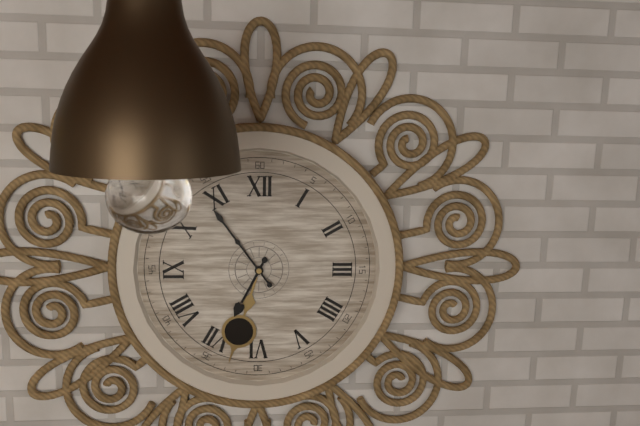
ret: {"hour": 6, "minute": 54}
